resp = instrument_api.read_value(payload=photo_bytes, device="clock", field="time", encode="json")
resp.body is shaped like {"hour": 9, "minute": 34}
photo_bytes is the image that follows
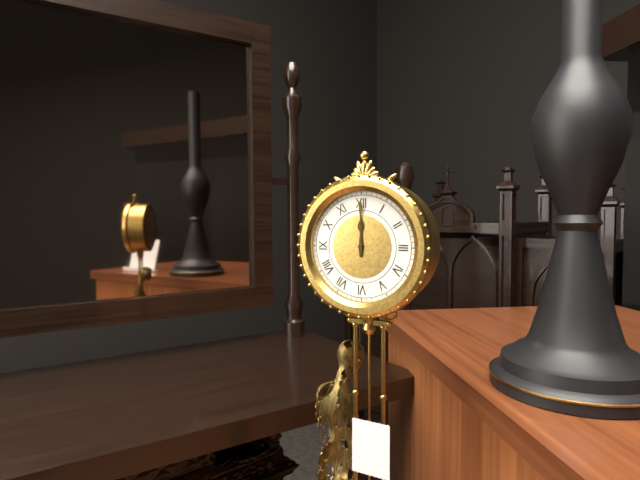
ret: {"hour": 12, "minute": 0}
